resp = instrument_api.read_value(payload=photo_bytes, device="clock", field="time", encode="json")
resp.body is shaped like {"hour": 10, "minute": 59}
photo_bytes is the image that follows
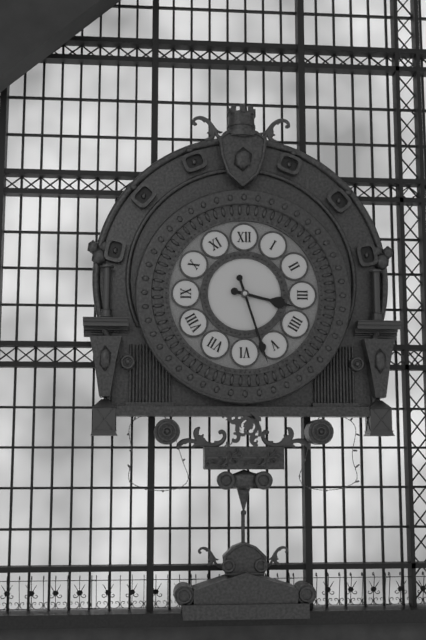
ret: {"hour": 3, "minute": 27}
